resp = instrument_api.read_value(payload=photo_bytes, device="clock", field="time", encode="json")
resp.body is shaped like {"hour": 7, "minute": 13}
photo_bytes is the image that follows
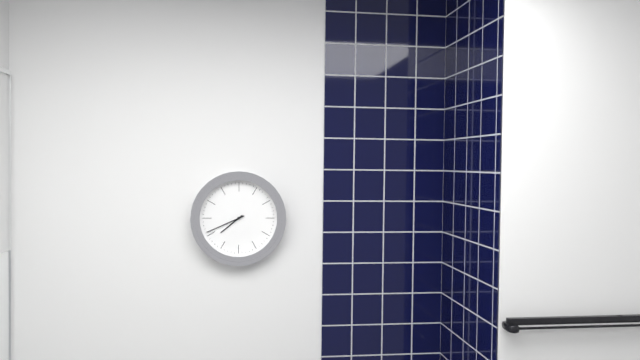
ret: {"hour": 7, "minute": 41}
